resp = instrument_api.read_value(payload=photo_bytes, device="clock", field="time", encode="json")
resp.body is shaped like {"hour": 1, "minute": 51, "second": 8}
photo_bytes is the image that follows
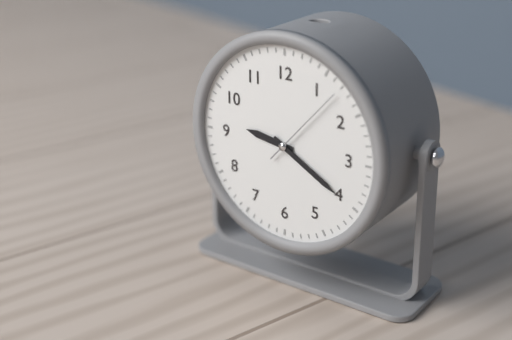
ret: {"hour": 9, "minute": 20, "second": 7}
